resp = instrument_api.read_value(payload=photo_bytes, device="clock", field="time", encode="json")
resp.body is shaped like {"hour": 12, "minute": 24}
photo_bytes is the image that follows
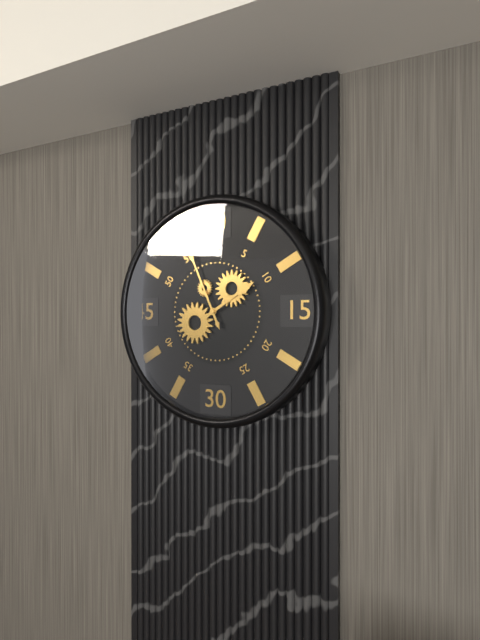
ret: {"hour": 1, "minute": 56}
